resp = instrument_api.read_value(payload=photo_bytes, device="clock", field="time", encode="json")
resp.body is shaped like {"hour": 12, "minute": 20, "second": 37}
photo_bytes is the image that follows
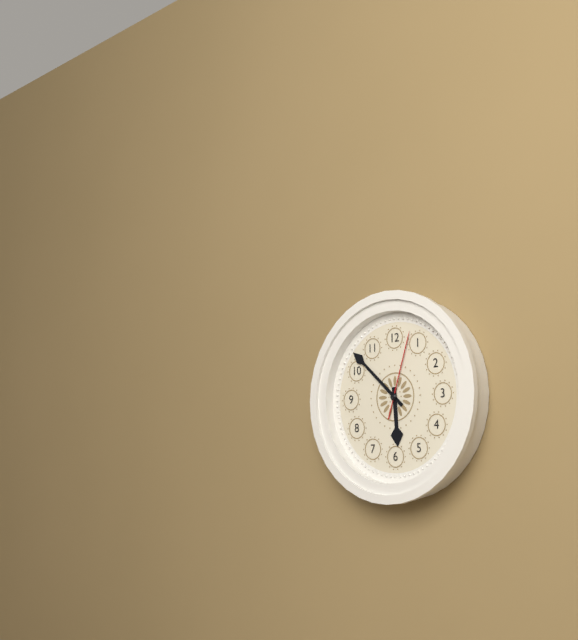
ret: {"hour": 5, "minute": 52, "second": 3}
